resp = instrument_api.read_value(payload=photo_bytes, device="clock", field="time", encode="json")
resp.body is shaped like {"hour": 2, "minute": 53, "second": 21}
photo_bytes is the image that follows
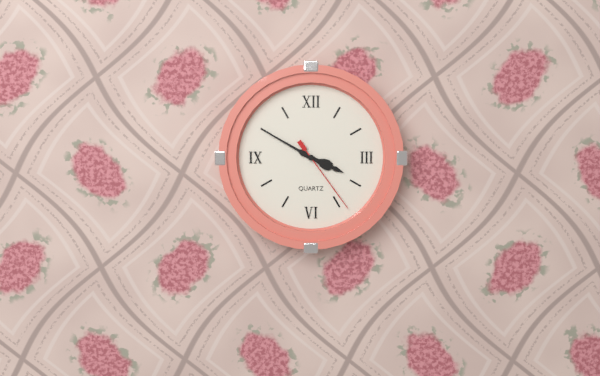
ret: {"hour": 3, "minute": 50, "second": 24}
